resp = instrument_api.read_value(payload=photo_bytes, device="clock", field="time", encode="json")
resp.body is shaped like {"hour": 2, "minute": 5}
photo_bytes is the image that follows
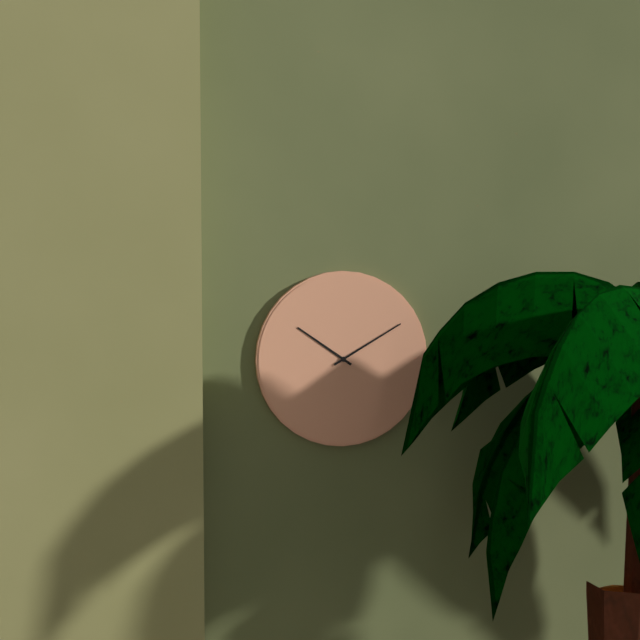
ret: {"hour": 10, "minute": 10}
